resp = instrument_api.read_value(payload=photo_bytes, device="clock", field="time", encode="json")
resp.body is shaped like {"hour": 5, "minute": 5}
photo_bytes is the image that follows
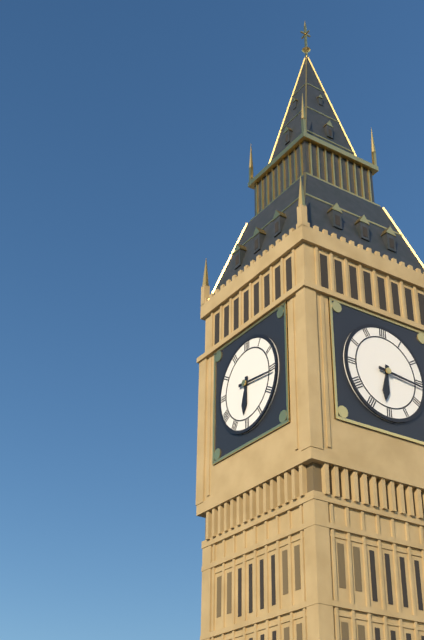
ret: {"hour": 6, "minute": 16}
